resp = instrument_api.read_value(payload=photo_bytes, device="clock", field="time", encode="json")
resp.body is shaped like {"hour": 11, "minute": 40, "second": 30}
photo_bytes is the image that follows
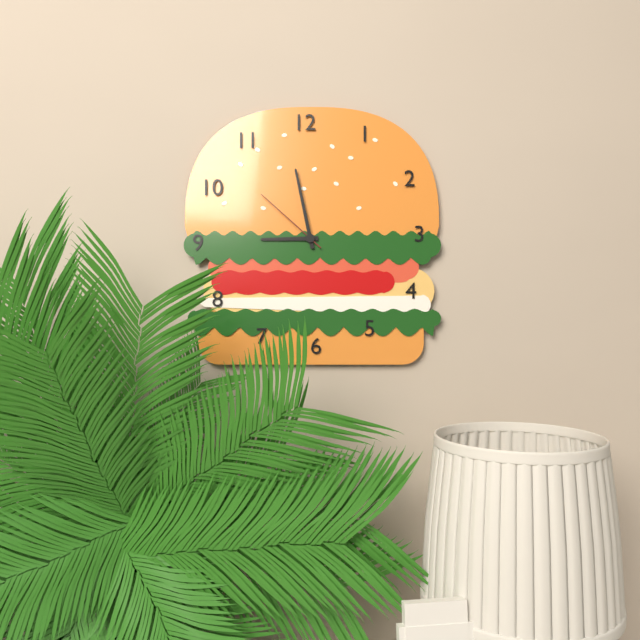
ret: {"hour": 8, "minute": 58, "second": 52}
